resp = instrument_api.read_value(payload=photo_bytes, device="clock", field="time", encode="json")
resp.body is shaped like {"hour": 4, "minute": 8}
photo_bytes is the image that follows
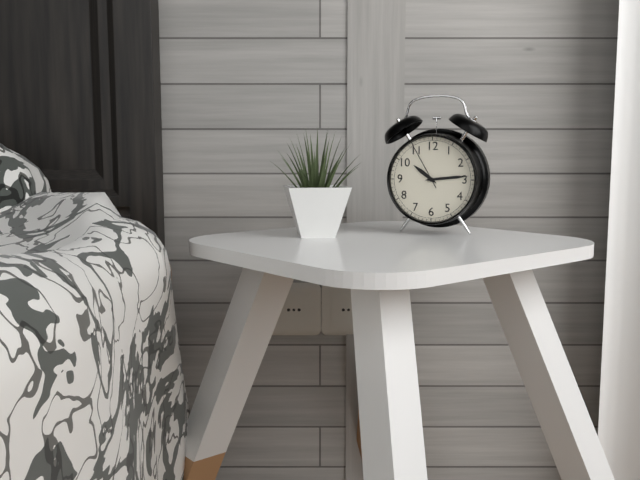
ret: {"hour": 10, "minute": 14}
